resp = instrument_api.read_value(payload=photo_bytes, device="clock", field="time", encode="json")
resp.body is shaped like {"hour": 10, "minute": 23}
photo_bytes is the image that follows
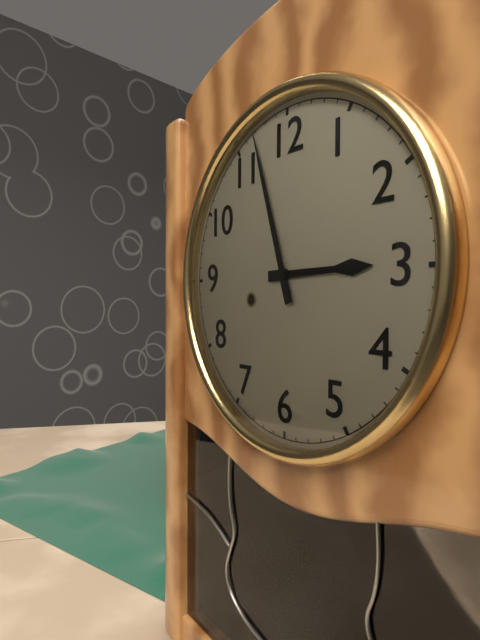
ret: {"hour": 2, "minute": 57}
